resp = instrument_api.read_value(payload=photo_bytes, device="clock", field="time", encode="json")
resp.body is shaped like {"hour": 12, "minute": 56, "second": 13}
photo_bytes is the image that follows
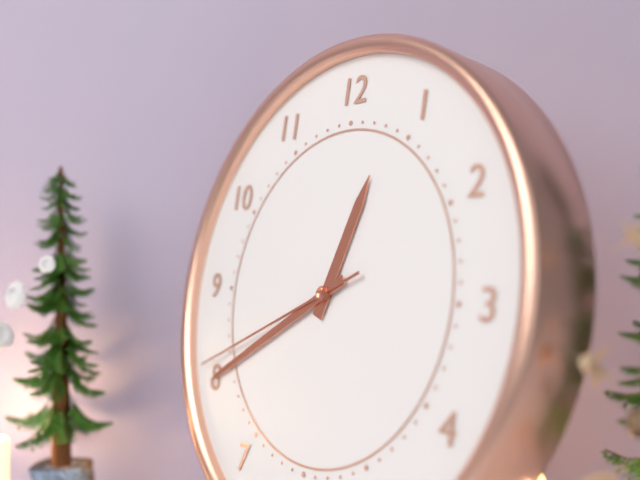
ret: {"hour": 12, "minute": 40, "second": 41}
